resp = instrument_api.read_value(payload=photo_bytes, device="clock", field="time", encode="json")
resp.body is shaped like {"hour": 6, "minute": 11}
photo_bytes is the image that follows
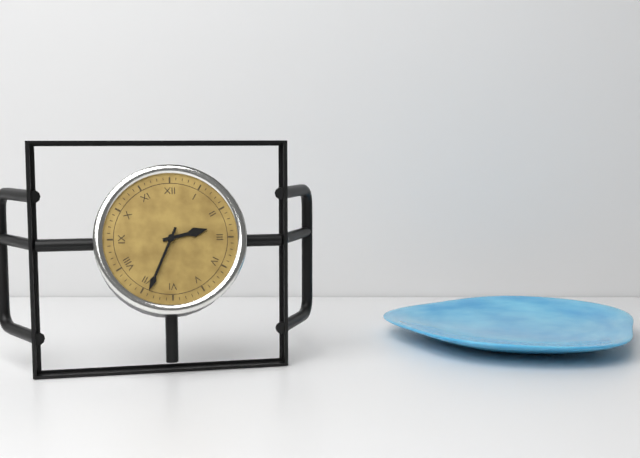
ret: {"hour": 2, "minute": 34}
